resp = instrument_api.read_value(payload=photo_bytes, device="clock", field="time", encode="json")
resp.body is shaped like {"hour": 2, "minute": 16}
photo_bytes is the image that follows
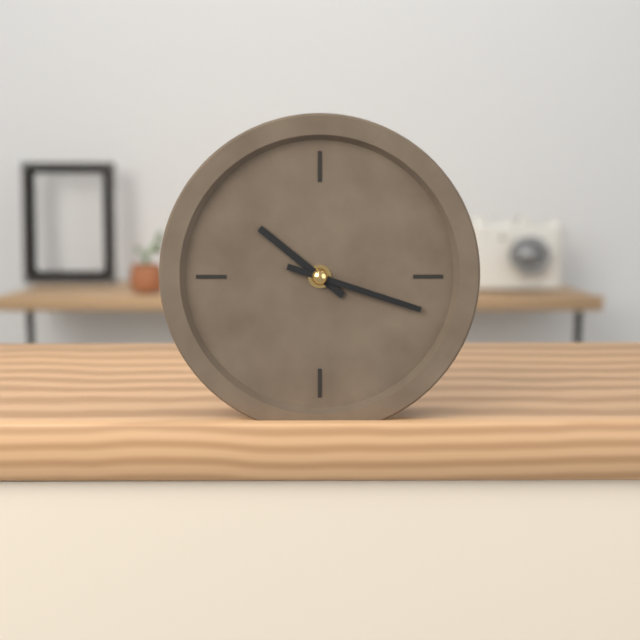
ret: {"hour": 10, "minute": 18}
